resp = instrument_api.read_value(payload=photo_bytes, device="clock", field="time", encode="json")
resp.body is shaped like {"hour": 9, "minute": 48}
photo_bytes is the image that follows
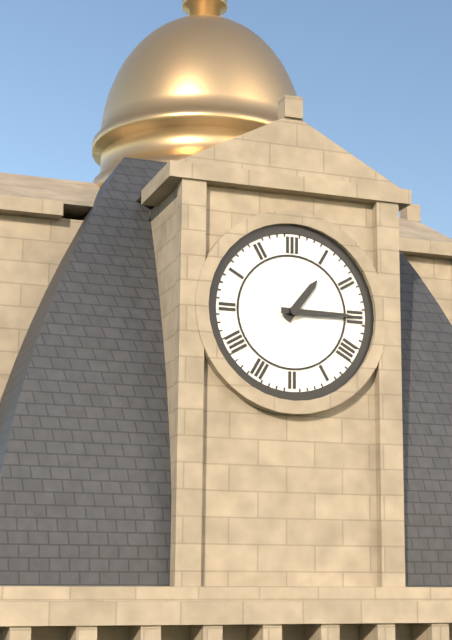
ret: {"hour": 1, "minute": 15}
